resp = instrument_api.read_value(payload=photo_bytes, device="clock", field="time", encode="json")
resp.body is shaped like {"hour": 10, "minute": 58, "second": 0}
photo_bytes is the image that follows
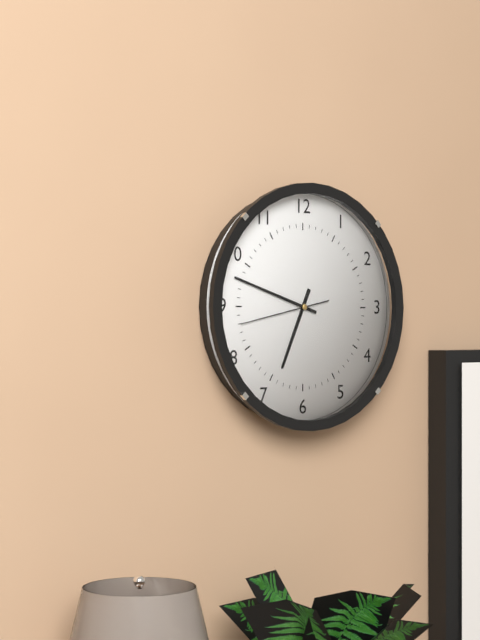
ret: {"hour": 6, "minute": 48, "second": 43}
